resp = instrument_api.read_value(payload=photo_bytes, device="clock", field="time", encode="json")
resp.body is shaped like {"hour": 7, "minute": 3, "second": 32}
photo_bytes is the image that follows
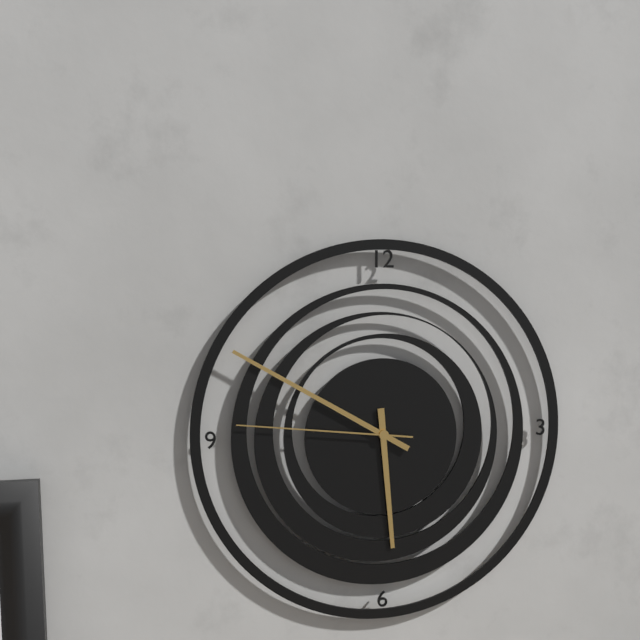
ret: {"hour": 5, "minute": 50, "second": 46}
